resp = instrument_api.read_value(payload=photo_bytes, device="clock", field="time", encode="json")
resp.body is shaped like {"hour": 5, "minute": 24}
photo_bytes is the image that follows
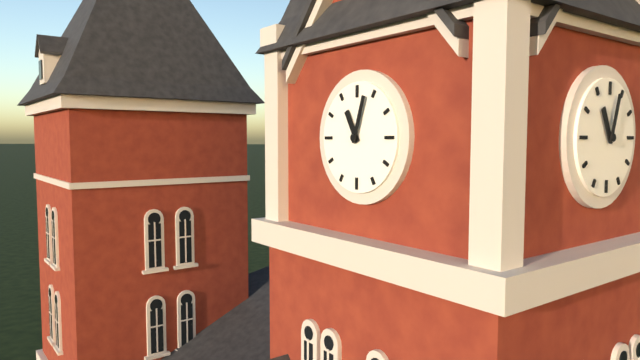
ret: {"hour": 11, "minute": 3}
